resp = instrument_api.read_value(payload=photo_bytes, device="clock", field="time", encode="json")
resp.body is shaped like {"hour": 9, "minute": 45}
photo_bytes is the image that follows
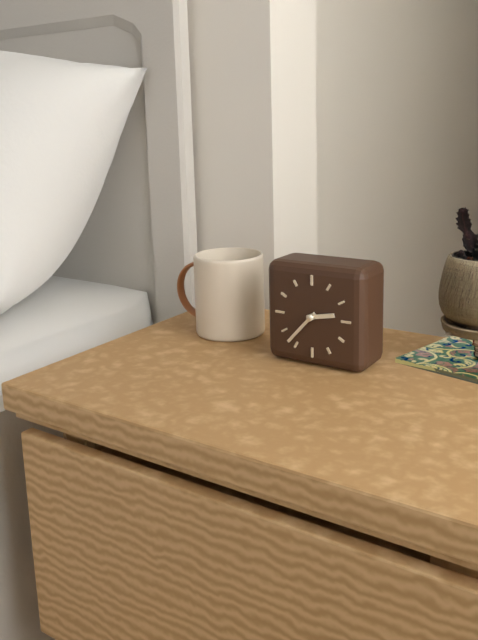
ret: {"hour": 2, "minute": 37}
